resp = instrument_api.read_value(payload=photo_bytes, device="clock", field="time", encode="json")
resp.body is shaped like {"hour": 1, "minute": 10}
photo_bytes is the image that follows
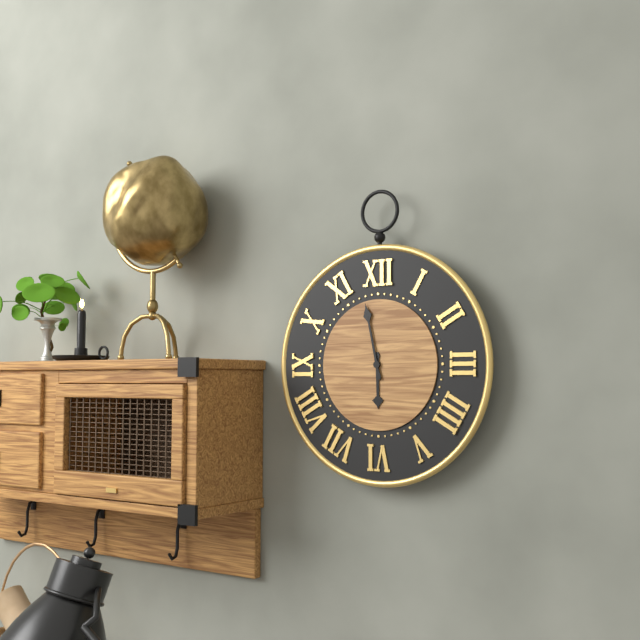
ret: {"hour": 5, "minute": 58}
